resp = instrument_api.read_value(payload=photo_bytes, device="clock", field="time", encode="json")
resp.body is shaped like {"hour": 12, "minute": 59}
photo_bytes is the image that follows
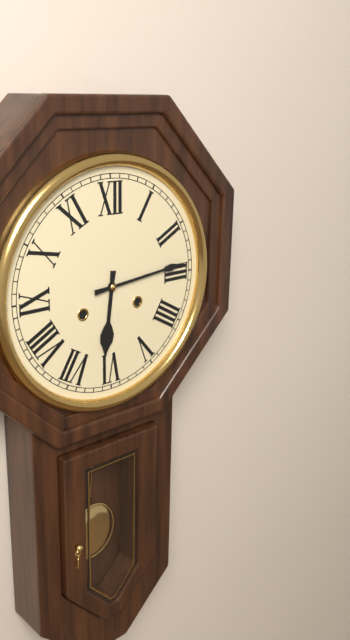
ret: {"hour": 6, "minute": 14}
